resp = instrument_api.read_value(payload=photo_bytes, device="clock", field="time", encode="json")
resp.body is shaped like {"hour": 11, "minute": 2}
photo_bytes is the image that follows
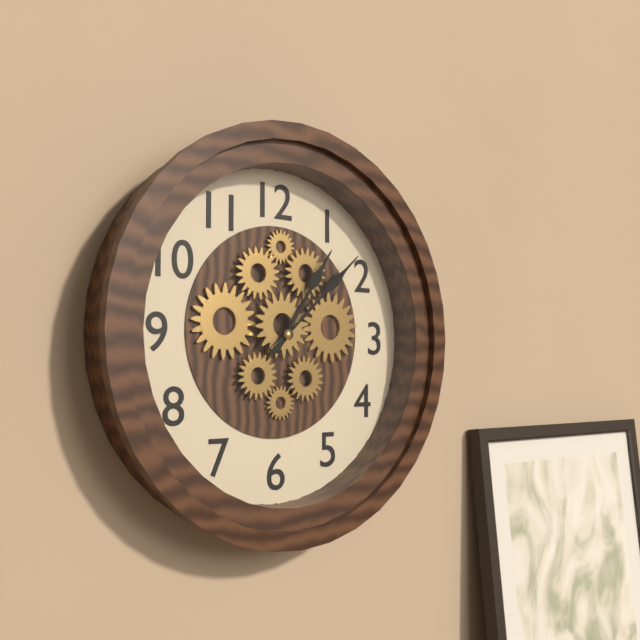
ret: {"hour": 1, "minute": 8}
